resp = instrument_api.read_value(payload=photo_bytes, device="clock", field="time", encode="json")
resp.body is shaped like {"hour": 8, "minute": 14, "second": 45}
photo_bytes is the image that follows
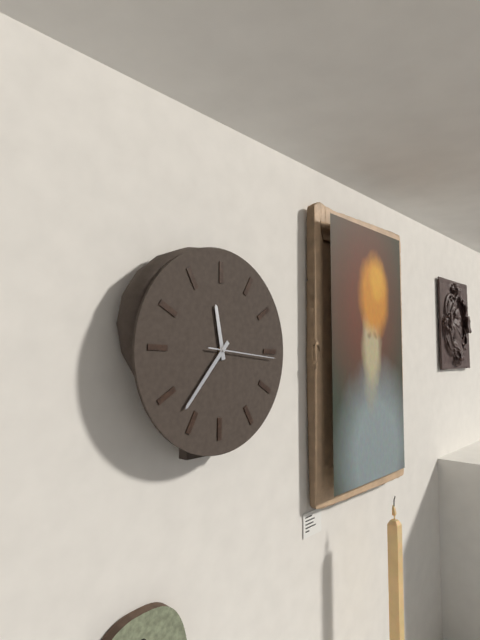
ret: {"hour": 11, "minute": 37, "second": 16}
